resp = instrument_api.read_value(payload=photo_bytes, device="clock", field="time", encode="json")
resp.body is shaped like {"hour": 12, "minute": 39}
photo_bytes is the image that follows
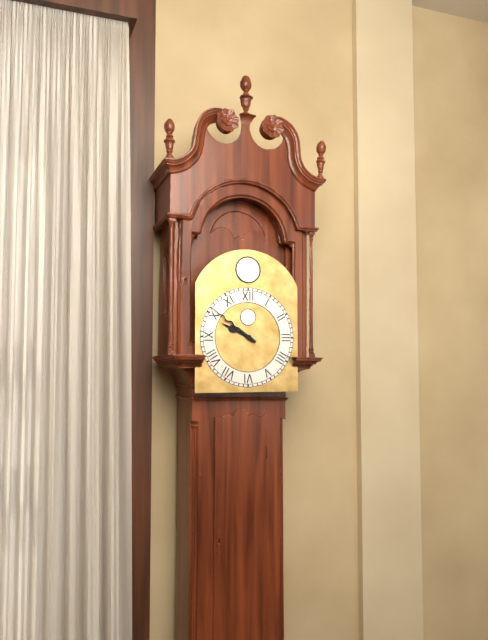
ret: {"hour": 9, "minute": 51}
